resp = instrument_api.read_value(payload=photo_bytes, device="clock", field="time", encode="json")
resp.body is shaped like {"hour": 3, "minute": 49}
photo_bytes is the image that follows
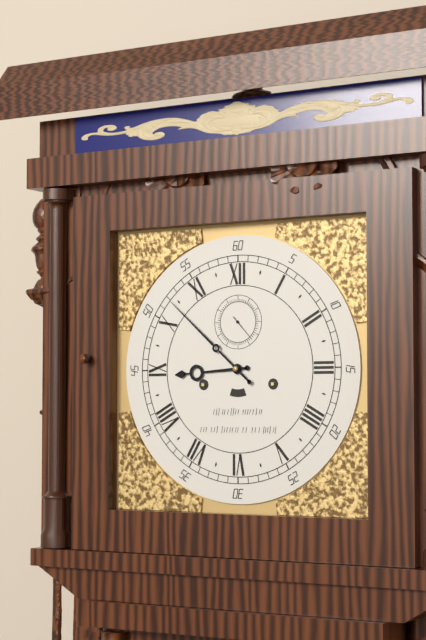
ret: {"hour": 8, "minute": 52}
